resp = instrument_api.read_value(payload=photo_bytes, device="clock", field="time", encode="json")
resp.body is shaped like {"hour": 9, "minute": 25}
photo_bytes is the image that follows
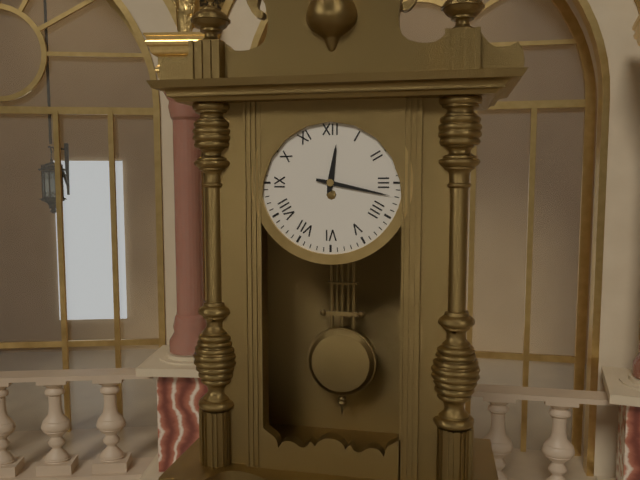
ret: {"hour": 12, "minute": 17}
